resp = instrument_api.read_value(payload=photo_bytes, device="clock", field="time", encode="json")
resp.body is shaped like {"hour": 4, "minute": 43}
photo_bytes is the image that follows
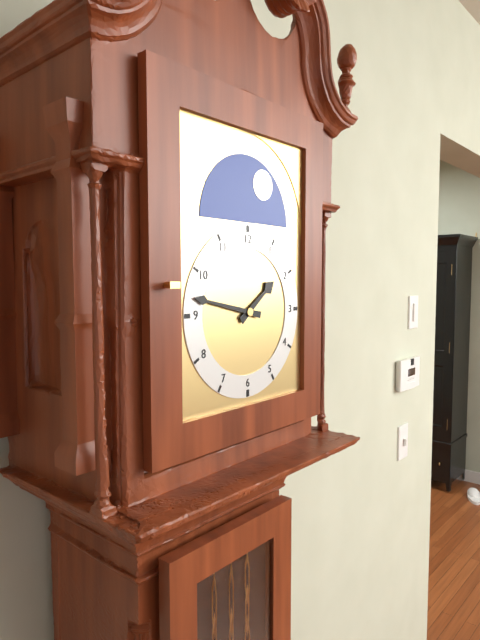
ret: {"hour": 1, "minute": 47}
